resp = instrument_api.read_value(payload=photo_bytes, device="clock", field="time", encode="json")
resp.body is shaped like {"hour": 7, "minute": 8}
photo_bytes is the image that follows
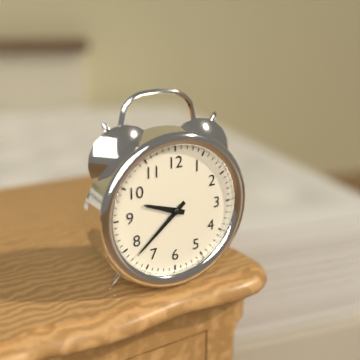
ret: {"hour": 9, "minute": 38}
